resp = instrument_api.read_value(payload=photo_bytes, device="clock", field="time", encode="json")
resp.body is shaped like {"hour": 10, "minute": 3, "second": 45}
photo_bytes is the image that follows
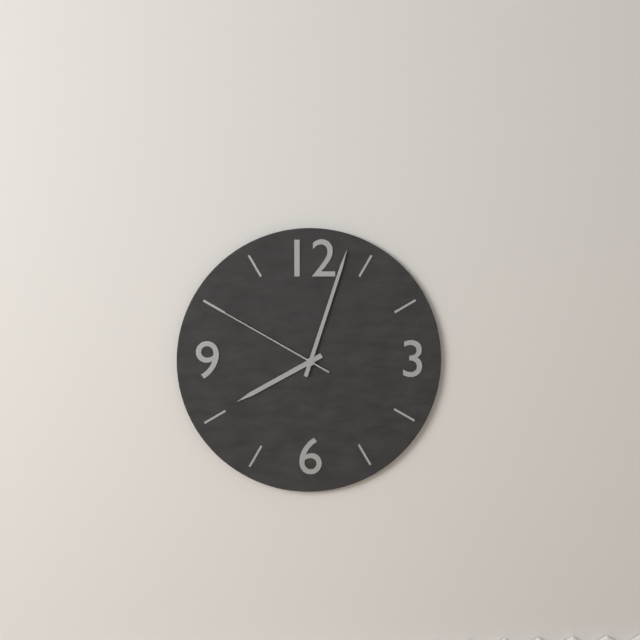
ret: {"hour": 8, "minute": 3, "second": 50}
